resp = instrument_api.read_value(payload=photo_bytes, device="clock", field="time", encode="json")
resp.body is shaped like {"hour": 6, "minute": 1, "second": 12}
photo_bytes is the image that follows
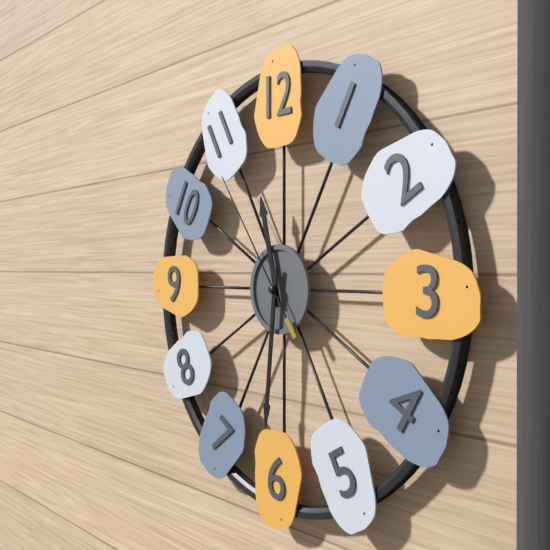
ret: {"hour": 11, "minute": 31, "second": 54}
